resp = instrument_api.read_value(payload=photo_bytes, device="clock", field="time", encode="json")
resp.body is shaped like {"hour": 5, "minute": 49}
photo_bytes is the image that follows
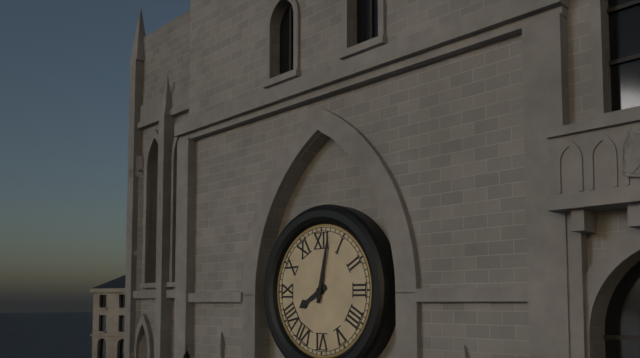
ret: {"hour": 8, "minute": 2}
